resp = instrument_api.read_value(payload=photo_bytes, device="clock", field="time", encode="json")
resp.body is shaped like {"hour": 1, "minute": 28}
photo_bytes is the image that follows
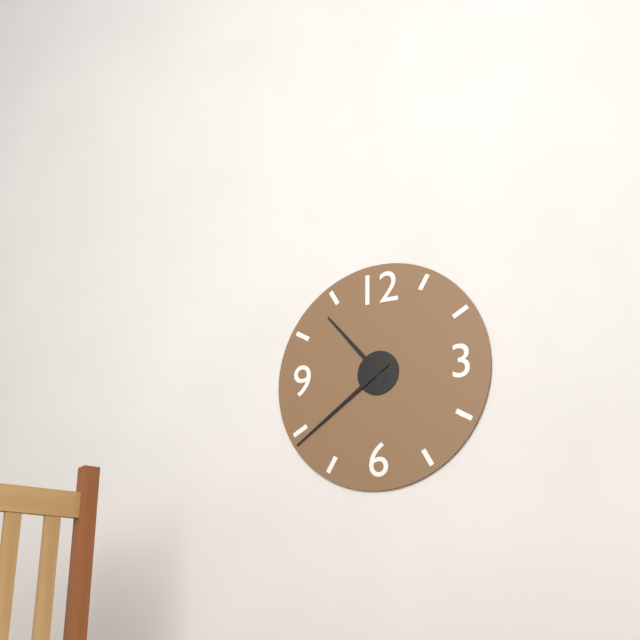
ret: {"hour": 10, "minute": 39}
